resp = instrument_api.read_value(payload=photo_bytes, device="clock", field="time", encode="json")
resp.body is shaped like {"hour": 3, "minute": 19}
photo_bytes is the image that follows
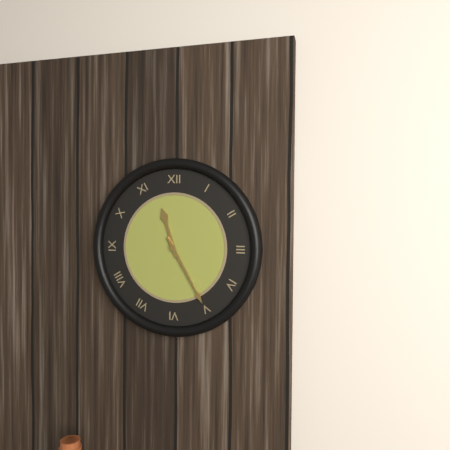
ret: {"hour": 11, "minute": 25}
